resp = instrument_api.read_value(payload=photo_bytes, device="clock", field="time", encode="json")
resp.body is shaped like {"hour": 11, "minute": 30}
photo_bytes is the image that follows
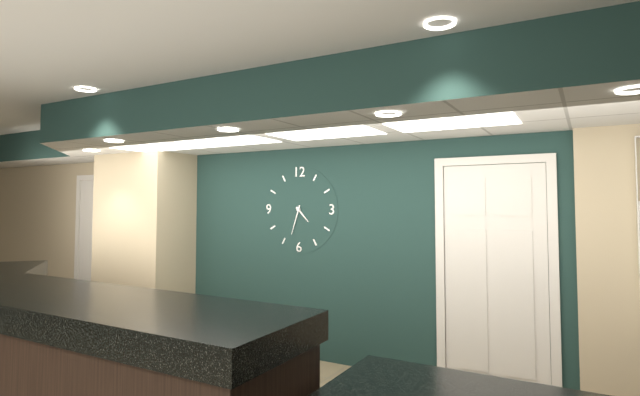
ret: {"hour": 4, "minute": 33}
